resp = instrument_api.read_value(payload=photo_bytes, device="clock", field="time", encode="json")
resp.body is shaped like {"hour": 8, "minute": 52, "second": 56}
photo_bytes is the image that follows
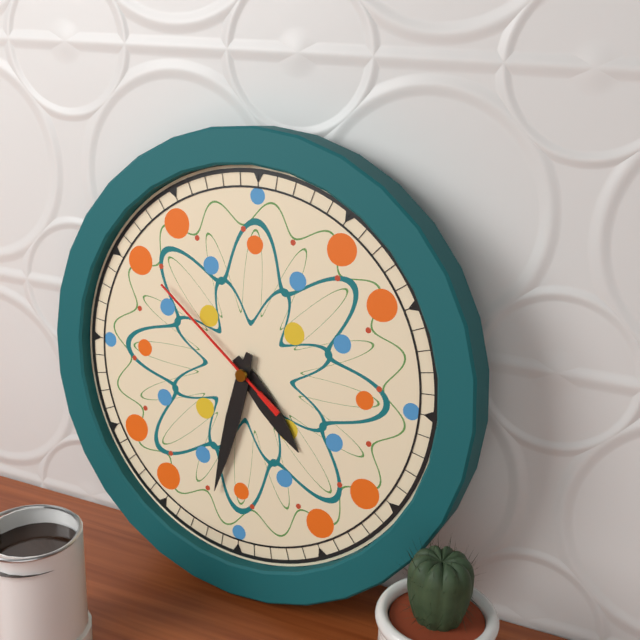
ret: {"hour": 4, "minute": 32, "second": 51}
